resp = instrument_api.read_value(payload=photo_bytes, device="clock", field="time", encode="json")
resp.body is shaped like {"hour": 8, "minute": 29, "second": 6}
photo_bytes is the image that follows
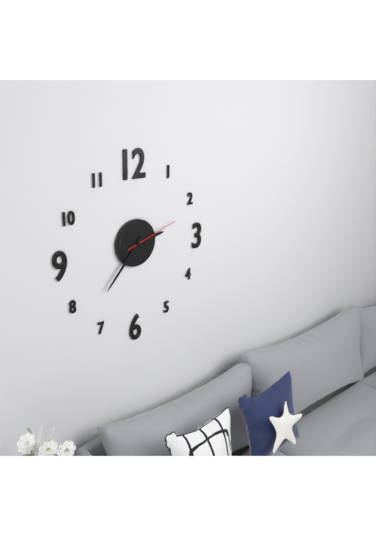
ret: {"hour": 2, "minute": 37, "second": 12}
